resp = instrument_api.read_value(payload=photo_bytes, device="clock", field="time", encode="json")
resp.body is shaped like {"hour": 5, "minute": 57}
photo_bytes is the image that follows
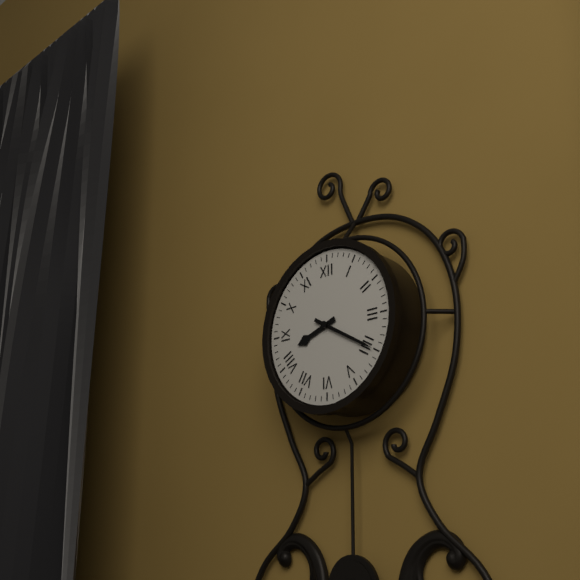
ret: {"hour": 8, "minute": 20}
